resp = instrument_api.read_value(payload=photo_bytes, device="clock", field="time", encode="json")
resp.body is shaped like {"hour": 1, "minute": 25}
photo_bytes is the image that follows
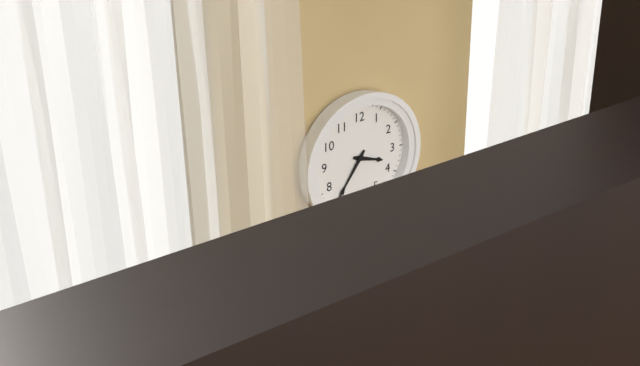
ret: {"hour": 3, "minute": 36}
